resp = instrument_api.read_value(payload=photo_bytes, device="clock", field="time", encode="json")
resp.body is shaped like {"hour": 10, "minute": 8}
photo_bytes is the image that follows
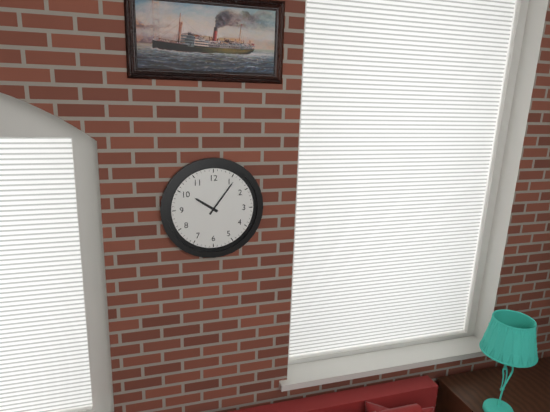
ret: {"hour": 10, "minute": 6}
